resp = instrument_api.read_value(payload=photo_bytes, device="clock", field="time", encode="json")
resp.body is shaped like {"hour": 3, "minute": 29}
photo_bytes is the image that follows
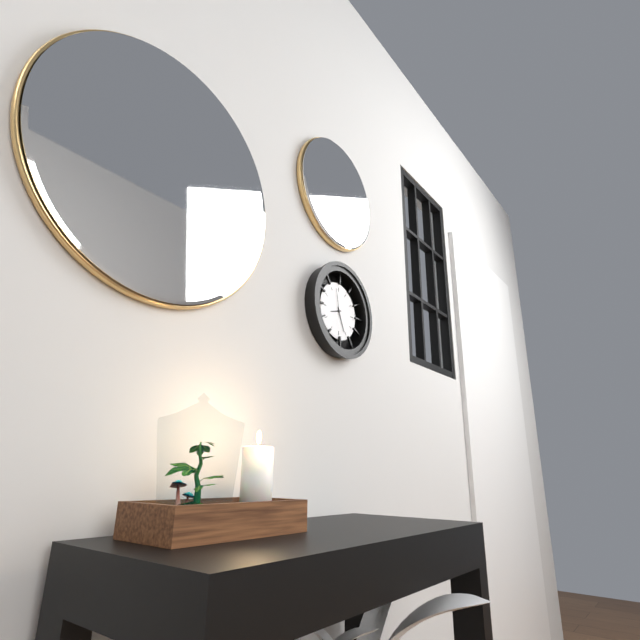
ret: {"hour": 8, "minute": 26}
